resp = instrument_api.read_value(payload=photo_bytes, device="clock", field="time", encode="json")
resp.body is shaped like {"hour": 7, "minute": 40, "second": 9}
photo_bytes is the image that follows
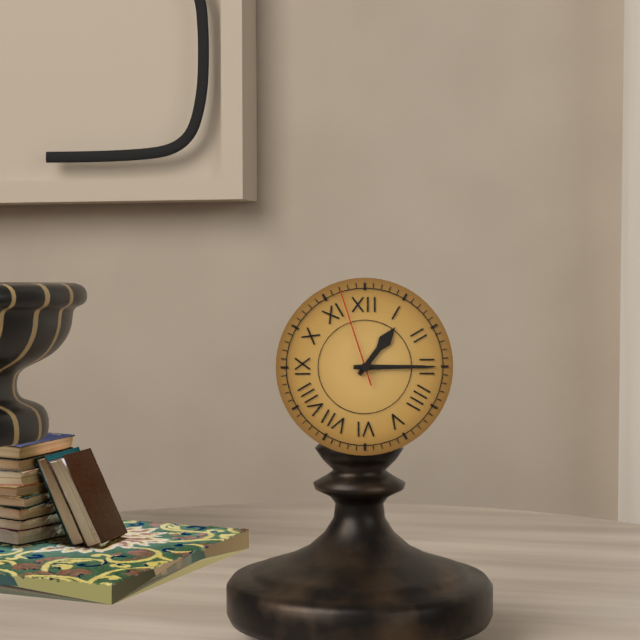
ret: {"hour": 1, "minute": 15, "second": 57}
